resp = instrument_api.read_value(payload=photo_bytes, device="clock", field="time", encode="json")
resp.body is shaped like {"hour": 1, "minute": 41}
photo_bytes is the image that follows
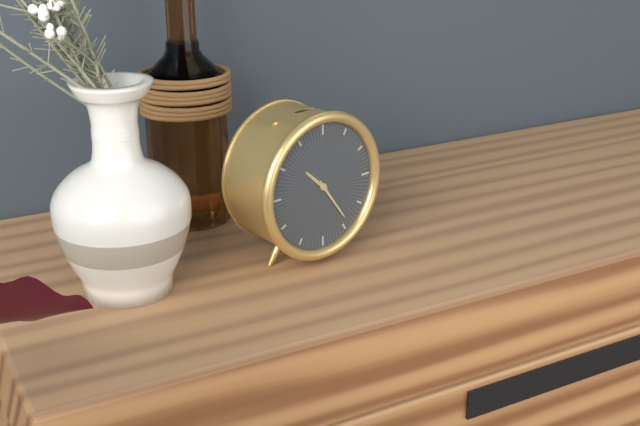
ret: {"hour": 10, "minute": 24}
